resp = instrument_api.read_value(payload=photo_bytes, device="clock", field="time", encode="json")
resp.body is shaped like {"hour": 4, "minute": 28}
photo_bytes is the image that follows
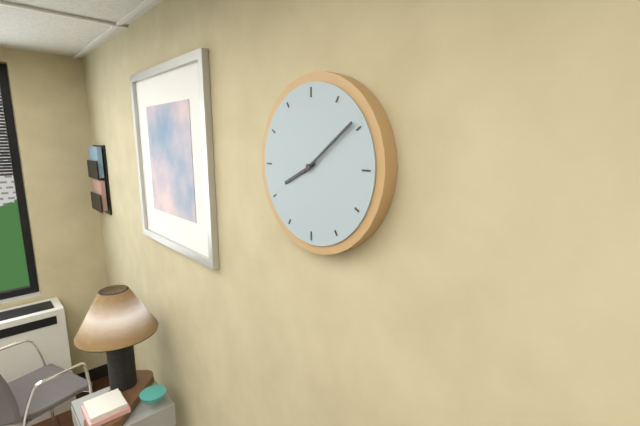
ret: {"hour": 8, "minute": 9}
